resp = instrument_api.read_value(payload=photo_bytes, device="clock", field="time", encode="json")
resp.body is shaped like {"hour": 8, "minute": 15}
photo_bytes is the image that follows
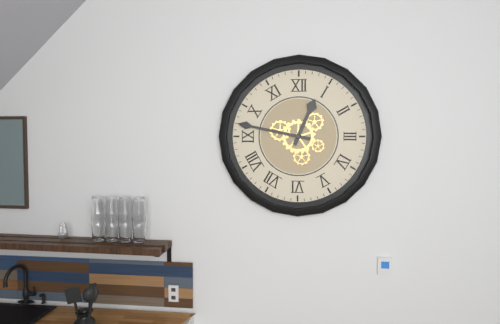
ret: {"hour": 12, "minute": 47}
